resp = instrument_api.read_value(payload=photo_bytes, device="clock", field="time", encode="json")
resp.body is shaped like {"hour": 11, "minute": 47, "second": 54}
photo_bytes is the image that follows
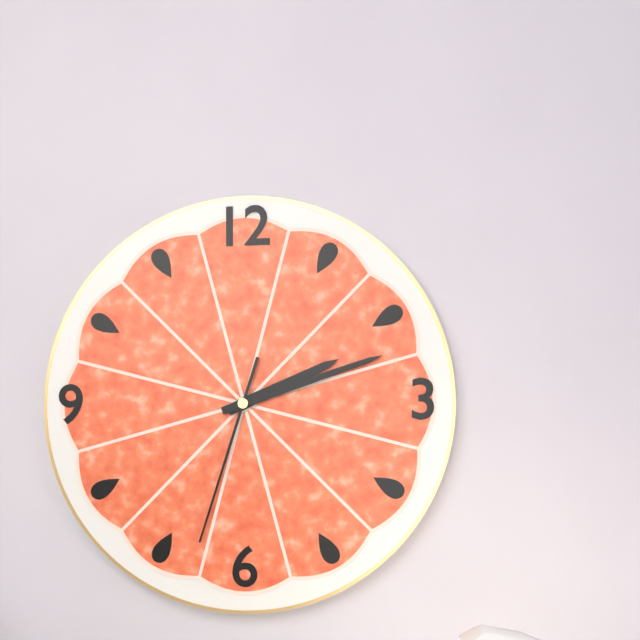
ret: {"hour": 2, "minute": 12, "second": 33}
